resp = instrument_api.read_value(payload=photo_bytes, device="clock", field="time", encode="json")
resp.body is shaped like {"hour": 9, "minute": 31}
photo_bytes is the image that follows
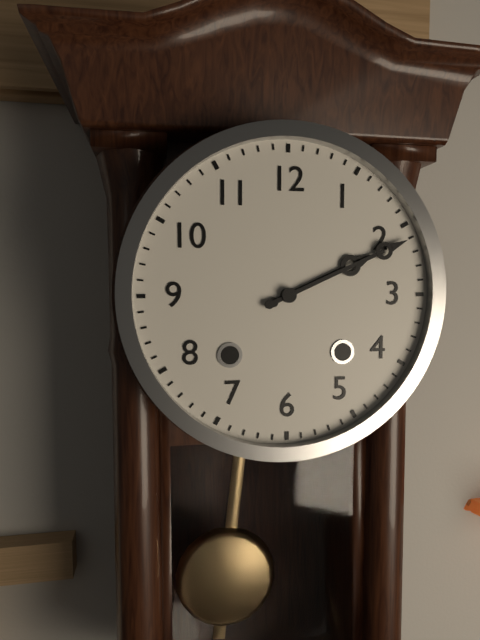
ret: {"hour": 2, "minute": 11}
